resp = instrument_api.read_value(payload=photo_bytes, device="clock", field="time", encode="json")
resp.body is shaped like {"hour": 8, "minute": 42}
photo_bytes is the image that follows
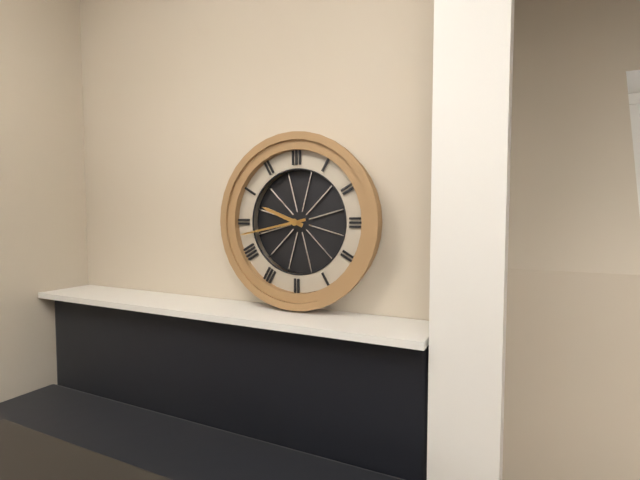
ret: {"hour": 9, "minute": 43}
